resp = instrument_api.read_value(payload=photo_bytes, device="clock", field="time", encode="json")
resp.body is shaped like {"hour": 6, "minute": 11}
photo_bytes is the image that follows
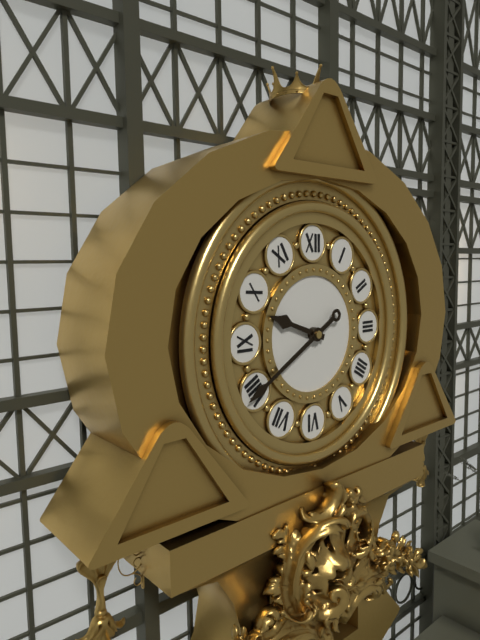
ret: {"hour": 9, "minute": 40}
